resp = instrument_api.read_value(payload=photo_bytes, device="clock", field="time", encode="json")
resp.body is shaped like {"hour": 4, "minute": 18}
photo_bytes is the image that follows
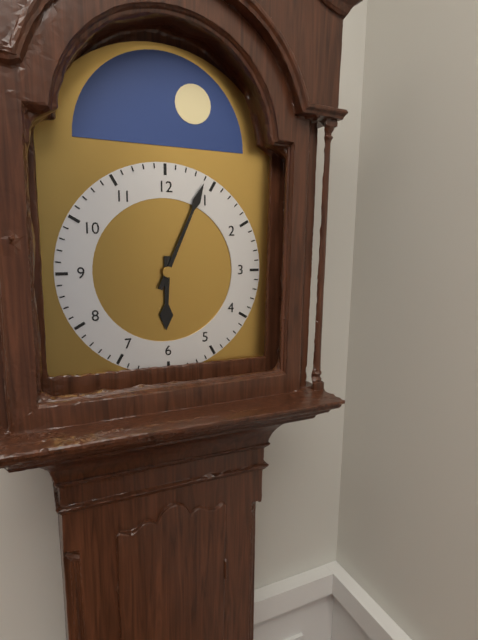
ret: {"hour": 6, "minute": 4}
